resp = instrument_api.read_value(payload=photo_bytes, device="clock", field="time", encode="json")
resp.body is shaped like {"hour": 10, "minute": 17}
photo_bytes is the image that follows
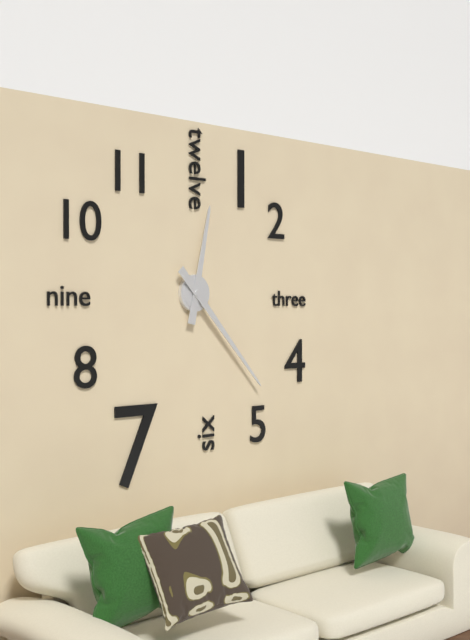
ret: {"hour": 12, "minute": 23}
